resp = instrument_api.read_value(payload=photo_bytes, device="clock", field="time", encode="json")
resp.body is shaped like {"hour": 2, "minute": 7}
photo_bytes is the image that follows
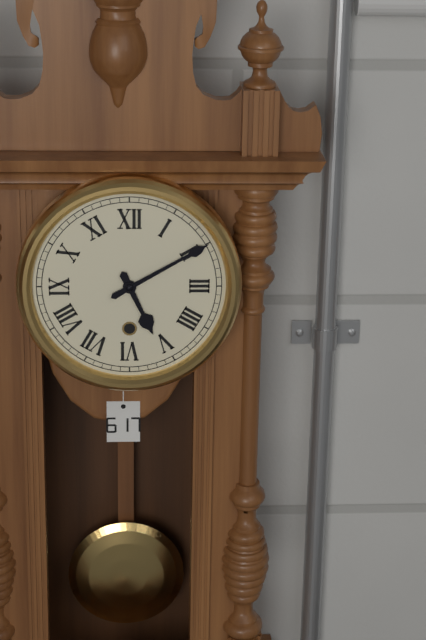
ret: {"hour": 5, "minute": 10}
